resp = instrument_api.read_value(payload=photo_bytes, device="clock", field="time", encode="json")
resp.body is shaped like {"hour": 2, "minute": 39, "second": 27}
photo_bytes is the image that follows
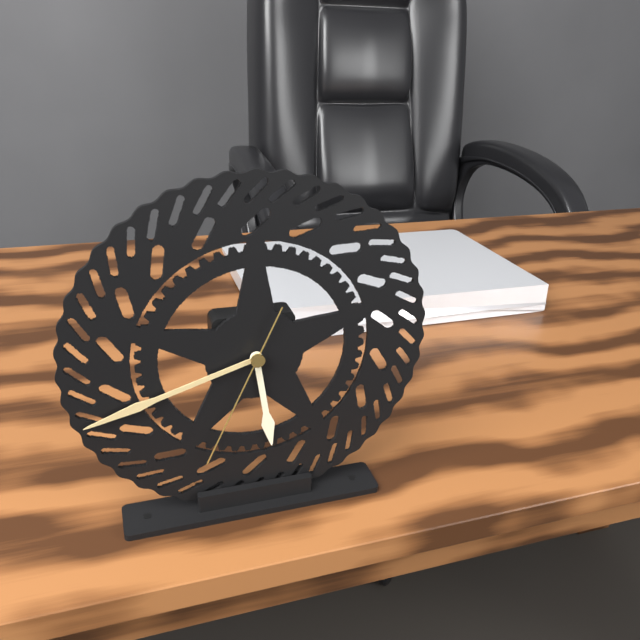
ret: {"hour": 5, "minute": 42, "second": 34}
